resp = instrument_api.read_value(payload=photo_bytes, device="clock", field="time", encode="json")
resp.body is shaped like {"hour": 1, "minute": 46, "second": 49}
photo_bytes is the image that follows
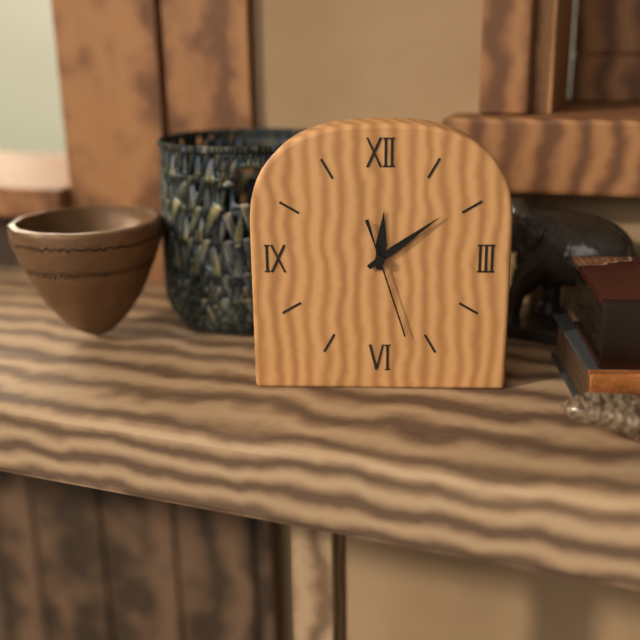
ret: {"hour": 12, "minute": 9, "second": 27}
